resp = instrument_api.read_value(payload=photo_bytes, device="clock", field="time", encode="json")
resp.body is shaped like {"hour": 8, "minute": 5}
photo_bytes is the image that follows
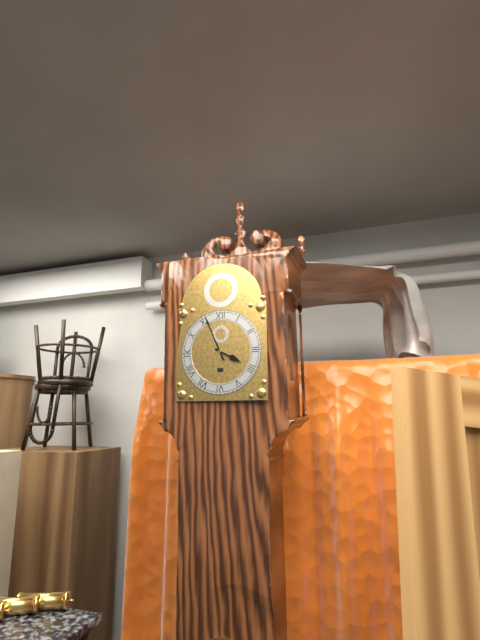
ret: {"hour": 3, "minute": 56}
